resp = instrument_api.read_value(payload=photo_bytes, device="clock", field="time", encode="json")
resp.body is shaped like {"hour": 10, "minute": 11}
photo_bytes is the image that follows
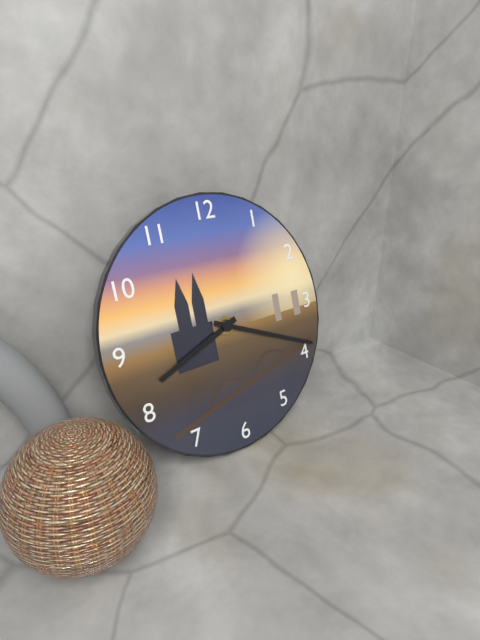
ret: {"hour": 8, "minute": 19}
